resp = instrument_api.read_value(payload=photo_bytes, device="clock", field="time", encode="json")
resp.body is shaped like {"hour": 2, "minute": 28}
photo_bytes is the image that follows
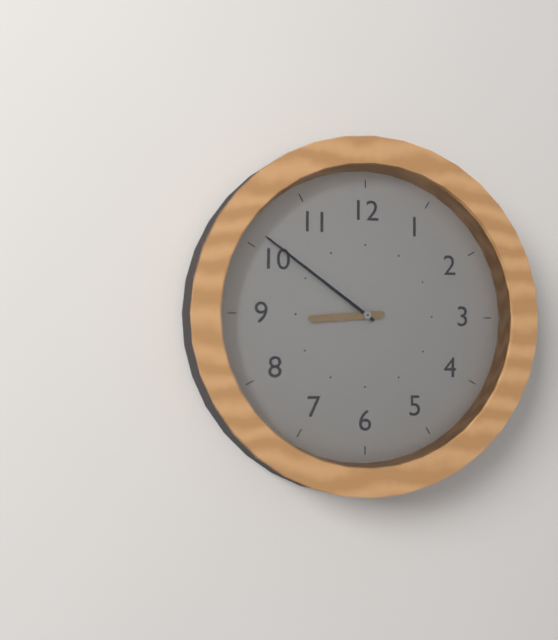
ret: {"hour": 8, "minute": 51}
